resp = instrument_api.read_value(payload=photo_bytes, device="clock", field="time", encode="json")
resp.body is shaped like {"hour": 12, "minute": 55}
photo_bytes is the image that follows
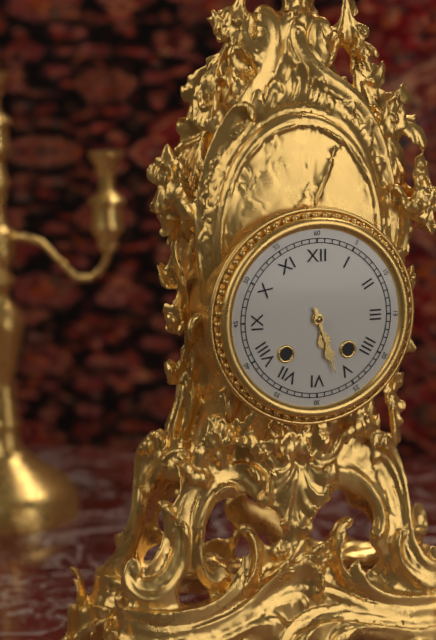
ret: {"hour": 5, "minute": 27}
